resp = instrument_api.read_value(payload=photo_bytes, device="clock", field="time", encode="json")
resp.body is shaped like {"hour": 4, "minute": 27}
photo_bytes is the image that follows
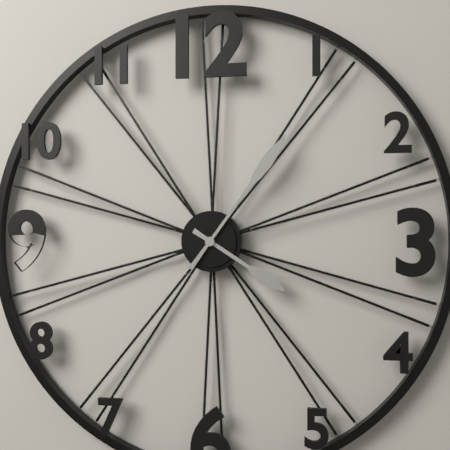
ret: {"hour": 4, "minute": 6}
